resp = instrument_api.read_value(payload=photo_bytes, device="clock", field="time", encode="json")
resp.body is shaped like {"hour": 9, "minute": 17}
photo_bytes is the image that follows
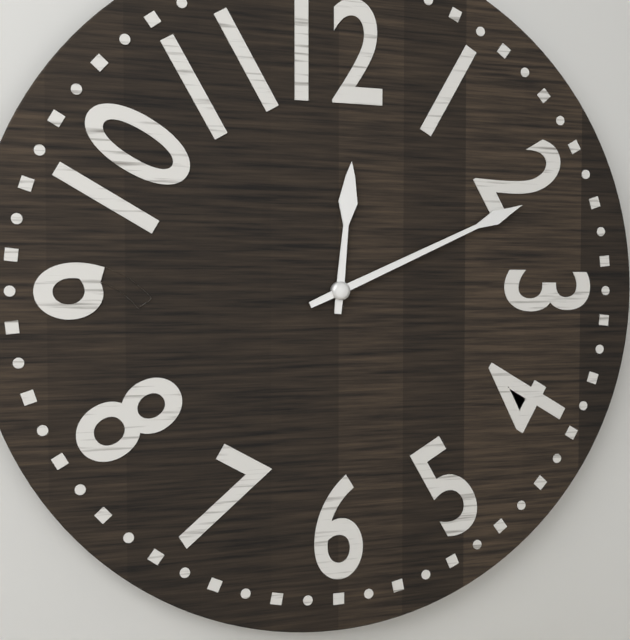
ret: {"hour": 12, "minute": 11}
